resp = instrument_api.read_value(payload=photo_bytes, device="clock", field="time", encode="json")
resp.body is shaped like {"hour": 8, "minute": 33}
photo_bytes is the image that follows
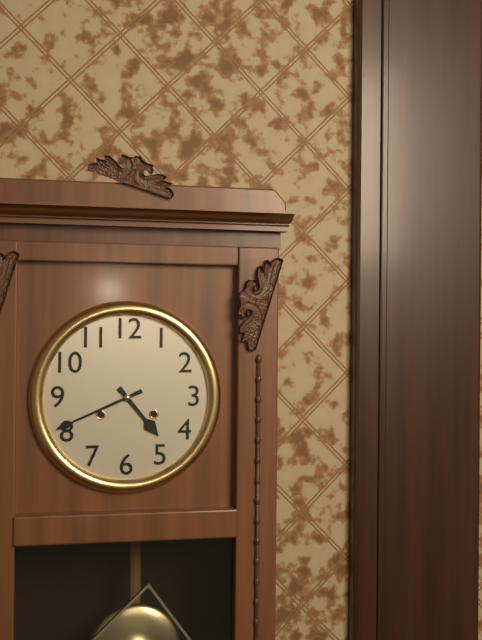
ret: {"hour": 4, "minute": 41}
